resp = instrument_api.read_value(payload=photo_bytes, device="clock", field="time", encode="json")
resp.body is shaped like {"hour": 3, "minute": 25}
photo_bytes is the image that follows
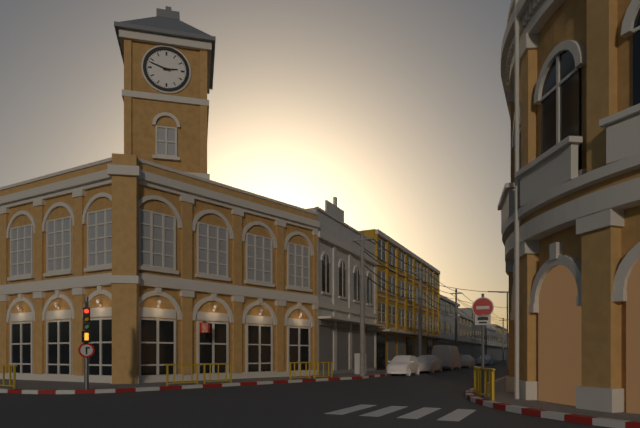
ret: {"hour": 2, "minute": 48}
